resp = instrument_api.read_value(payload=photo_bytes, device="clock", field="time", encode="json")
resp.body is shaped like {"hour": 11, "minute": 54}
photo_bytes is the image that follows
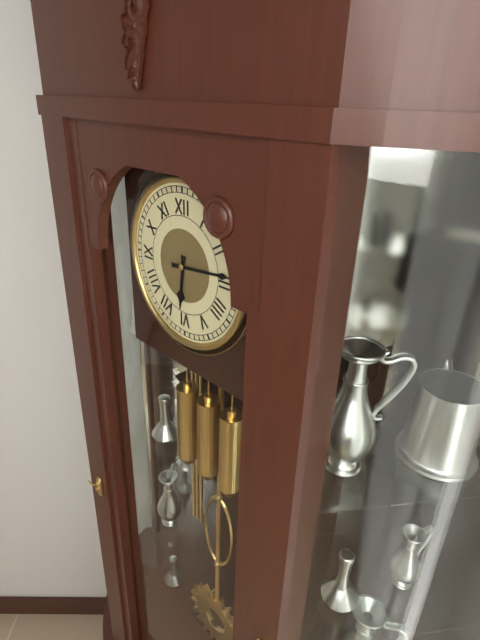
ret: {"hour": 6, "minute": 14}
